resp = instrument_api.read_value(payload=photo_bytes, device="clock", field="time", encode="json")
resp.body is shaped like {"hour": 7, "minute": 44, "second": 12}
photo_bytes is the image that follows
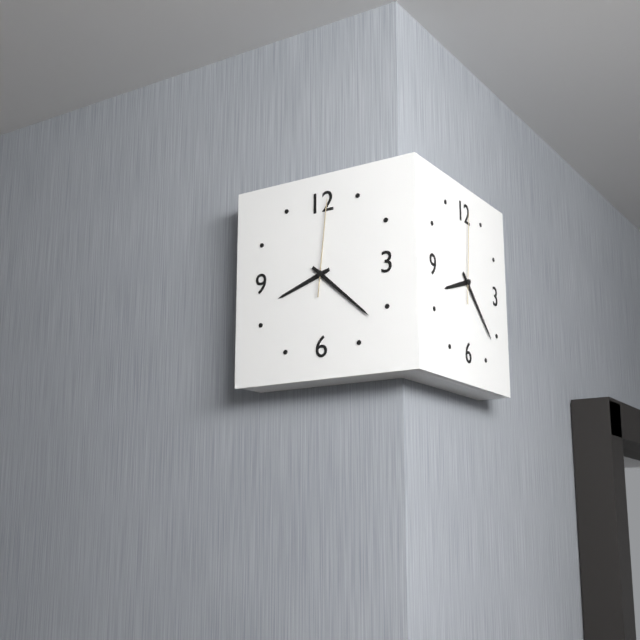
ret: {"hour": 8, "minute": 22, "second": 1}
